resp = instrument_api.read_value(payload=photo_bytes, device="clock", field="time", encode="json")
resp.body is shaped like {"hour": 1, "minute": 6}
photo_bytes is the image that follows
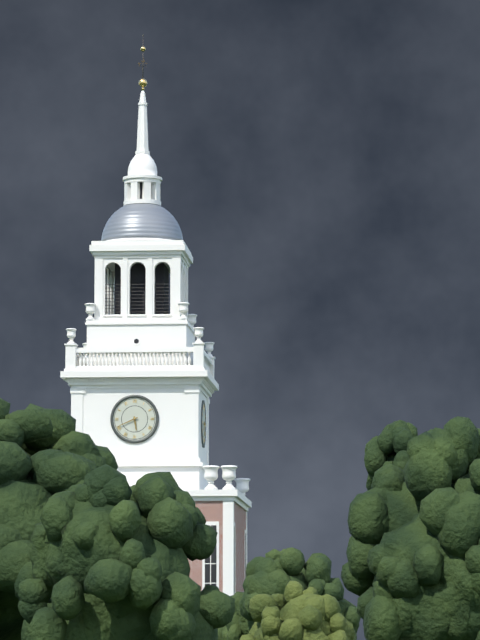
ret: {"hour": 5, "minute": 41}
